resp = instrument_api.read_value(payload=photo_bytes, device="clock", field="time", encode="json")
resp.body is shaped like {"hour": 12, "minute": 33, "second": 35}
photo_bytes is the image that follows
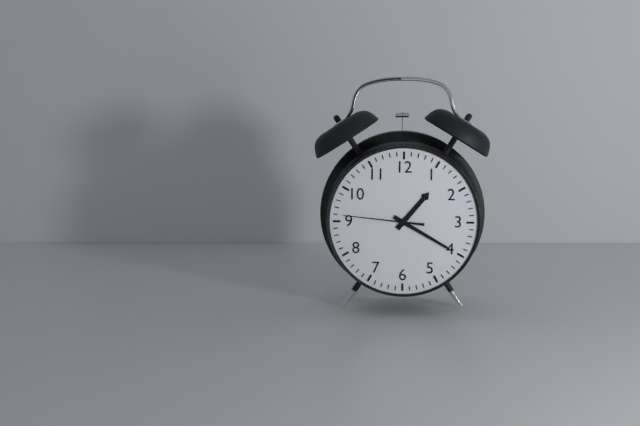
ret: {"hour": 1, "minute": 20, "second": 46}
